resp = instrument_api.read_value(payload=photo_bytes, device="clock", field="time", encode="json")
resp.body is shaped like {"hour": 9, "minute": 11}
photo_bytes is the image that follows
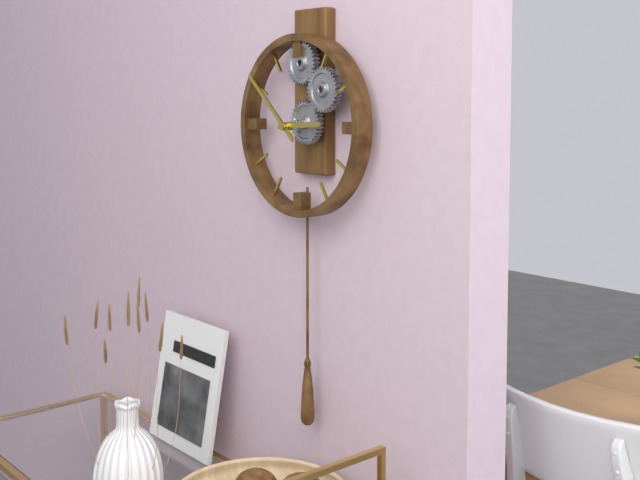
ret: {"hour": 2, "minute": 52}
